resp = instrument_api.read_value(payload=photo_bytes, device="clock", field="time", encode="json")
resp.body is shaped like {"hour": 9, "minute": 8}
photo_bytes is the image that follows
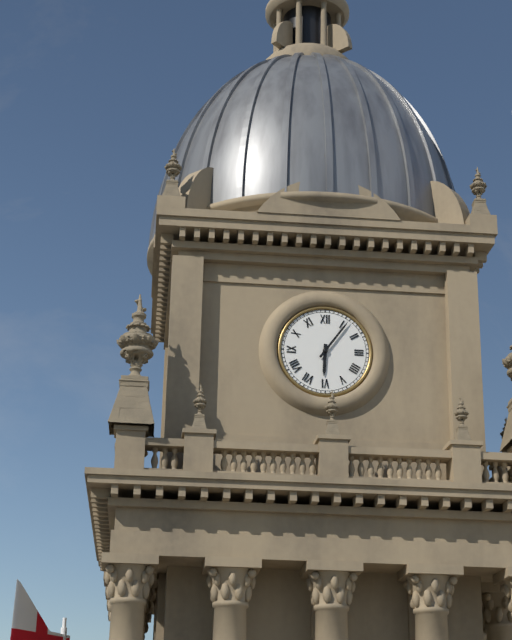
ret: {"hour": 6, "minute": 6}
